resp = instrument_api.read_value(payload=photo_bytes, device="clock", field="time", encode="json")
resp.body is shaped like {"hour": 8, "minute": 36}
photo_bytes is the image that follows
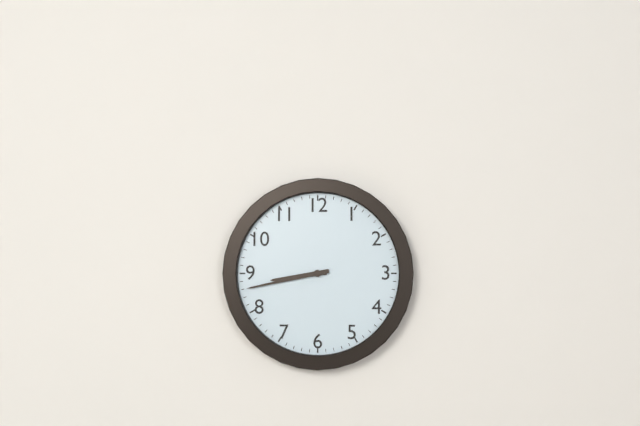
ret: {"hour": 8, "minute": 43}
